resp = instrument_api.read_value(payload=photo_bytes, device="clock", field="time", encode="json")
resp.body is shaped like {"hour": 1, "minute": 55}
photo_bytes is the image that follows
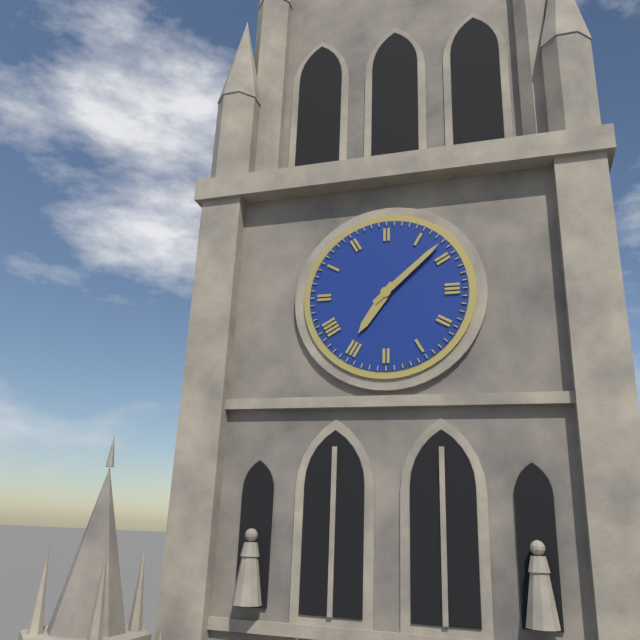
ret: {"hour": 7, "minute": 8}
